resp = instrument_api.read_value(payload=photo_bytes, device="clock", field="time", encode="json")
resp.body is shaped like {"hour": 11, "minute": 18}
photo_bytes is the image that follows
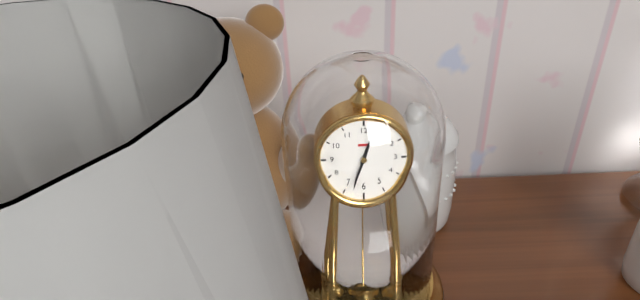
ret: {"hour": 12, "minute": 33}
